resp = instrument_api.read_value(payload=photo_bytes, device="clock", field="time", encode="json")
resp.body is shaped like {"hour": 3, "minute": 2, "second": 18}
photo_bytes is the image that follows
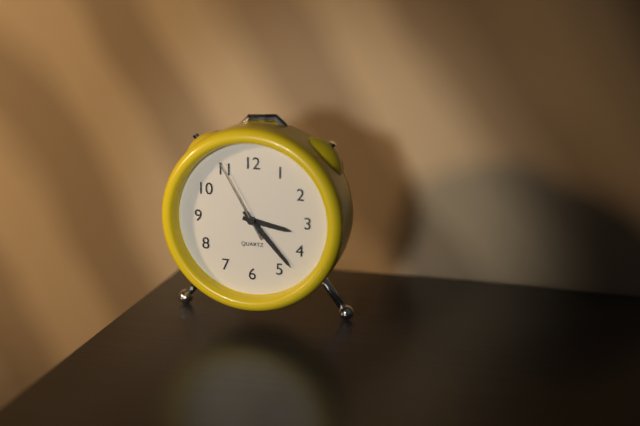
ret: {"hour": 3, "minute": 23, "second": 55}
